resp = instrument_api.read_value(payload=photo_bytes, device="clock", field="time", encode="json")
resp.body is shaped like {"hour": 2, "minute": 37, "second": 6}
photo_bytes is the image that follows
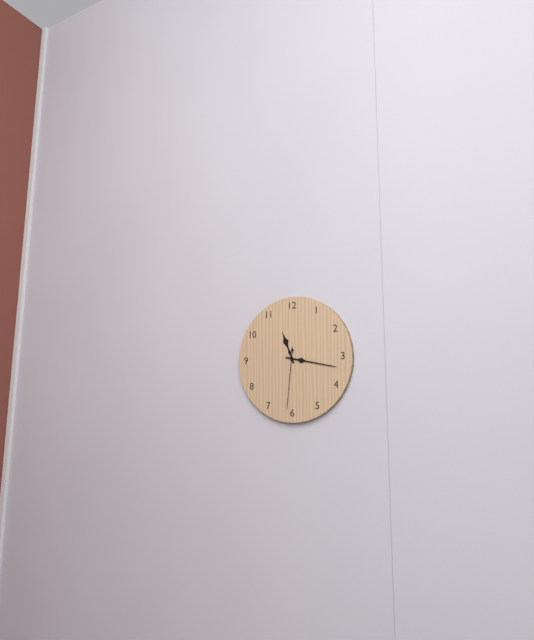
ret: {"hour": 11, "minute": 17, "second": 31}
